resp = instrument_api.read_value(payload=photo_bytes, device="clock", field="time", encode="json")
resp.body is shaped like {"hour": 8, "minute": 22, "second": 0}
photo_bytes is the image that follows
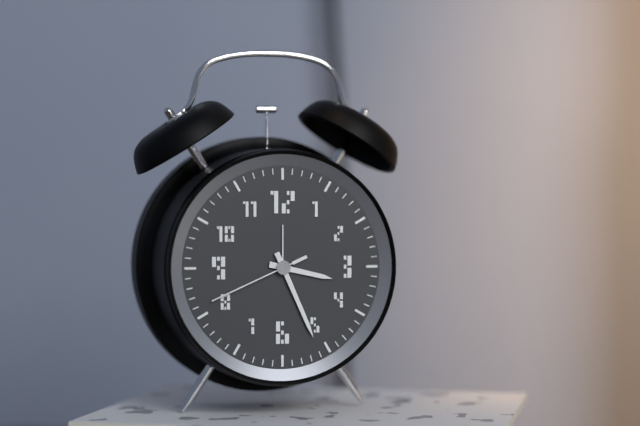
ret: {"hour": 3, "minute": 26, "second": 41}
